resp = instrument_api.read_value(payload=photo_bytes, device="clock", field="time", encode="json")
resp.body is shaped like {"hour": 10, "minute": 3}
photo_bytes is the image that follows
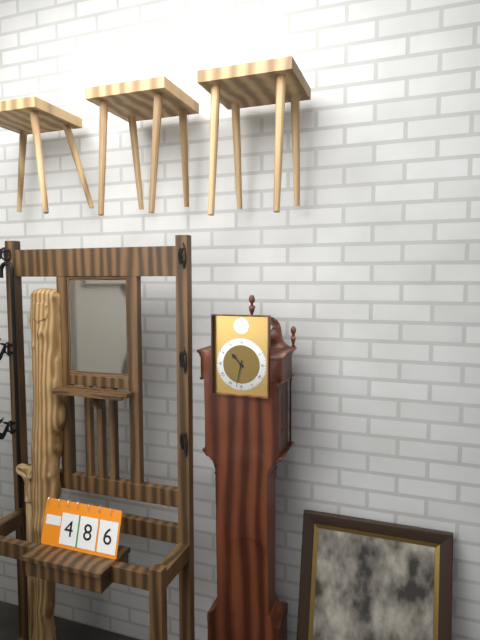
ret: {"hour": 10, "minute": 32}
